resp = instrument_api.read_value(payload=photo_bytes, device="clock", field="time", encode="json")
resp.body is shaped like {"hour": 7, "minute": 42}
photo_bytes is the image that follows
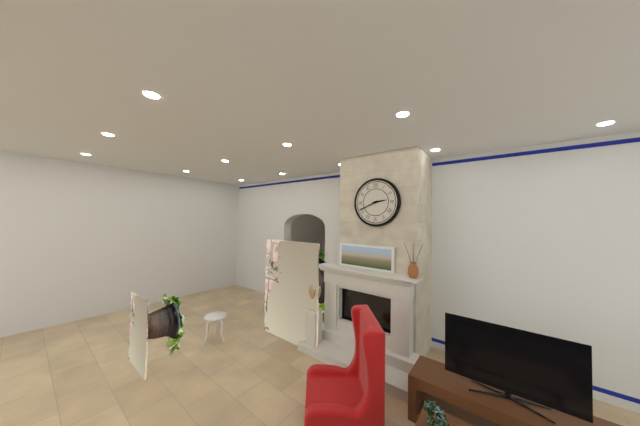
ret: {"hour": 2, "minute": 41}
